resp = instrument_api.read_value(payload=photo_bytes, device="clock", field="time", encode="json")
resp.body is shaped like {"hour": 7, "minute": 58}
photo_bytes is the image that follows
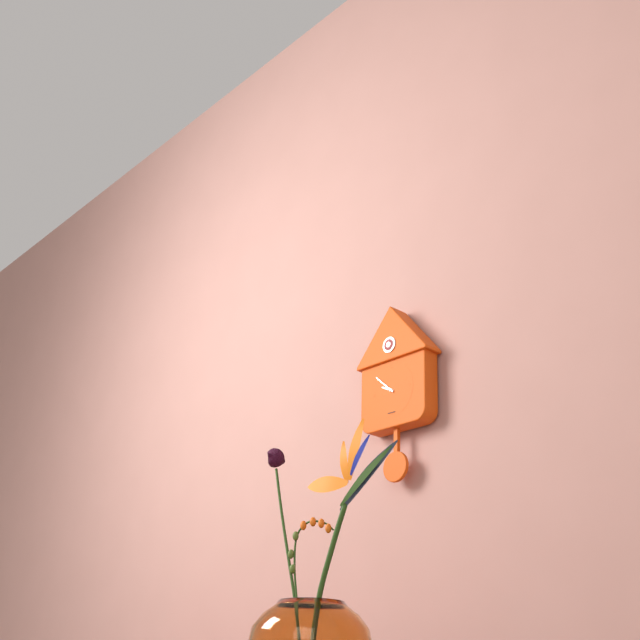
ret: {"hour": 9, "minute": 52}
